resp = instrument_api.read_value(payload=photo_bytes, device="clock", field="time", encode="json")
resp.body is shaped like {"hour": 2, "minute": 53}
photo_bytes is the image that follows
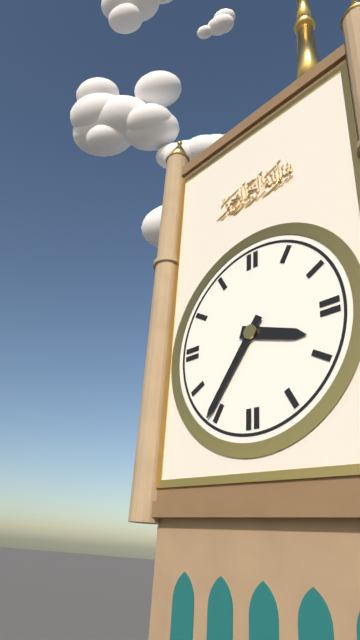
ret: {"hour": 3, "minute": 36}
